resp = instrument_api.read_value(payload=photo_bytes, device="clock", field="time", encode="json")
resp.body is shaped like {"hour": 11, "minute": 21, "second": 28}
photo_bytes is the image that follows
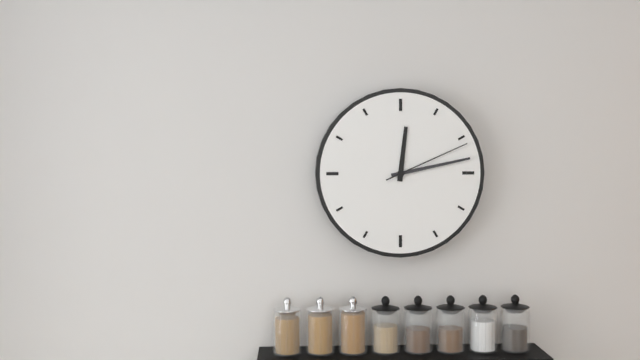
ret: {"hour": 12, "minute": 13, "second": 11}
